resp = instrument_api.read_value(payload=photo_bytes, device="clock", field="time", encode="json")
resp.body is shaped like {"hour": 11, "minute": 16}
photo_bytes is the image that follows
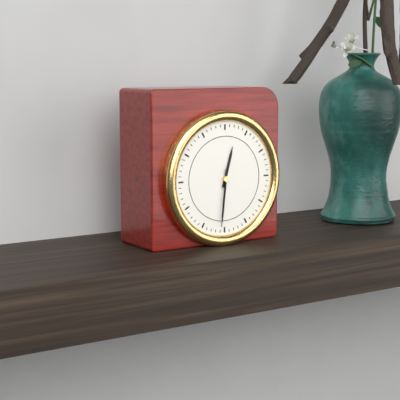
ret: {"hour": 12, "minute": 31}
